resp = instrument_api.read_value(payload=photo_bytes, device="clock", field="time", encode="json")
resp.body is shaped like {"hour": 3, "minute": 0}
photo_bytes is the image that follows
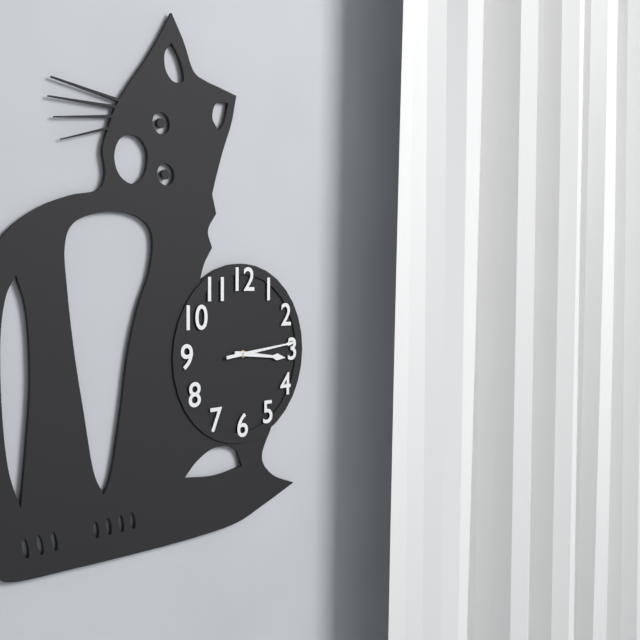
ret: {"hour": 3, "minute": 14}
